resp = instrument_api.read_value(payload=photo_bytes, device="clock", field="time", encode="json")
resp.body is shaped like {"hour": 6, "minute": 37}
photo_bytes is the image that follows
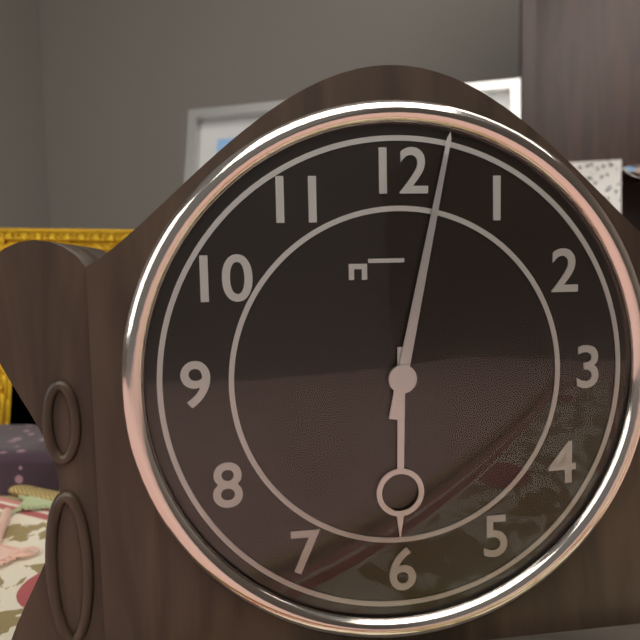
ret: {"hour": 6, "minute": 2}
